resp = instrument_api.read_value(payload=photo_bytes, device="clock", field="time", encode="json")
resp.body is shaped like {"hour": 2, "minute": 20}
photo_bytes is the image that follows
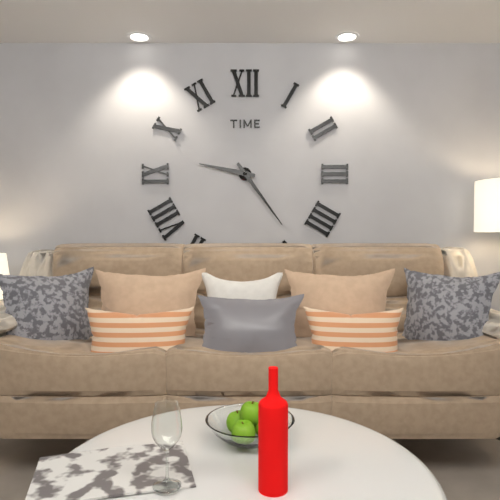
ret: {"hour": 9, "minute": 24}
